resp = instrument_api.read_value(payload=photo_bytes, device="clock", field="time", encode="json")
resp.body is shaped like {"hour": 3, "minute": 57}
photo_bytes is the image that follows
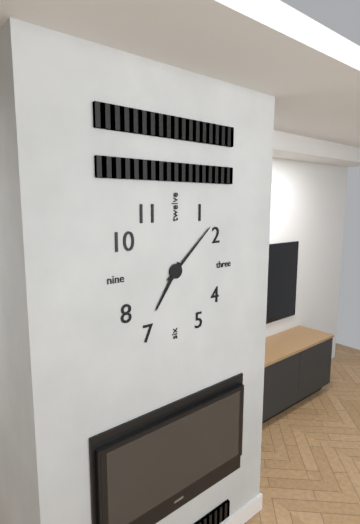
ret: {"hour": 7, "minute": 8}
